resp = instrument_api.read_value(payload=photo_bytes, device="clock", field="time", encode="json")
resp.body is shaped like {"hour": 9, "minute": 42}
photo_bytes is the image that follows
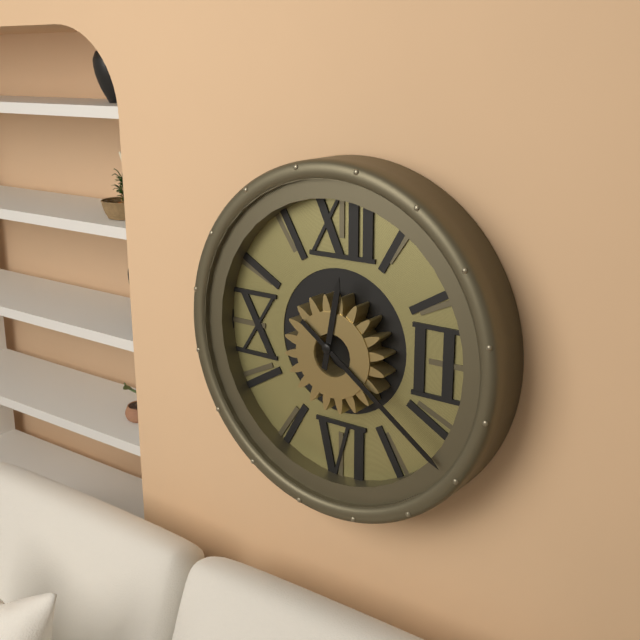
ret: {"hour": 12, "minute": 21}
